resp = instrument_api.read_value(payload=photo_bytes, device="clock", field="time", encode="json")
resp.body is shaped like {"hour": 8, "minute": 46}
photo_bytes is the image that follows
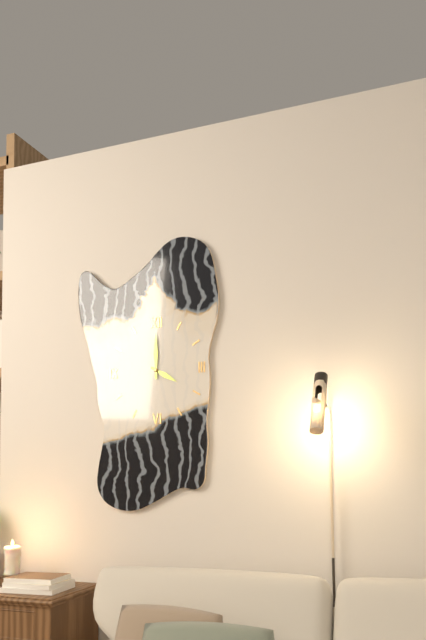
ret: {"hour": 4, "minute": 0}
